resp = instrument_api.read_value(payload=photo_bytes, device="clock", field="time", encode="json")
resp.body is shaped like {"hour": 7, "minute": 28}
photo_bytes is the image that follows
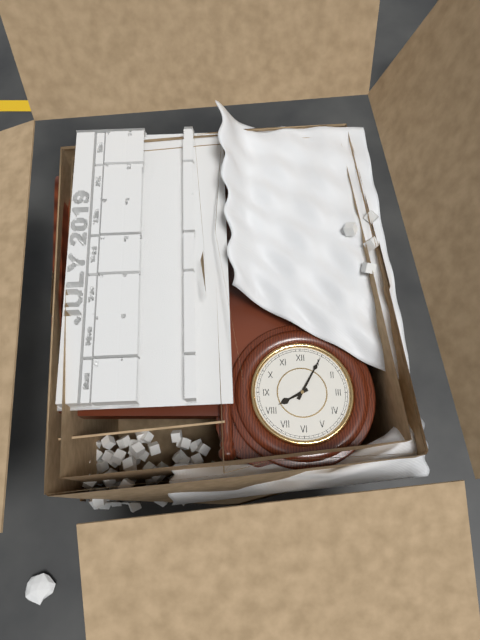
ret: {"hour": 8, "minute": 5}
